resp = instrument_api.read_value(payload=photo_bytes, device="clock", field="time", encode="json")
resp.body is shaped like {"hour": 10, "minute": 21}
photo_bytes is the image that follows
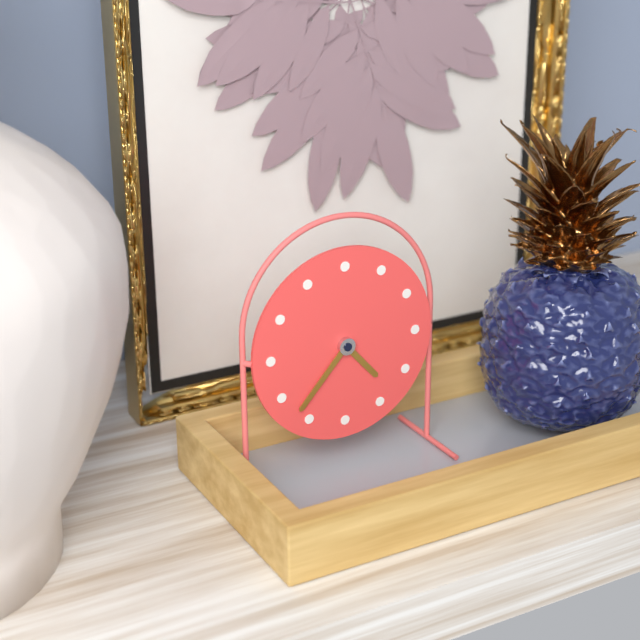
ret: {"hour": 4, "minute": 37}
